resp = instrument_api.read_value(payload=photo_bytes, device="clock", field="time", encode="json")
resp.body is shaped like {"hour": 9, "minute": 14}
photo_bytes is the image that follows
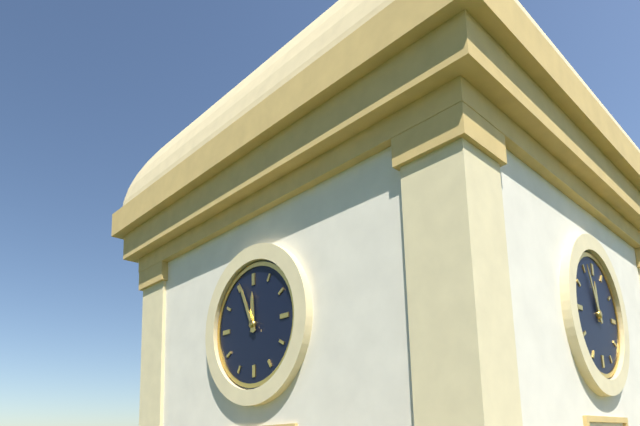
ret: {"hour": 11, "minute": 56}
